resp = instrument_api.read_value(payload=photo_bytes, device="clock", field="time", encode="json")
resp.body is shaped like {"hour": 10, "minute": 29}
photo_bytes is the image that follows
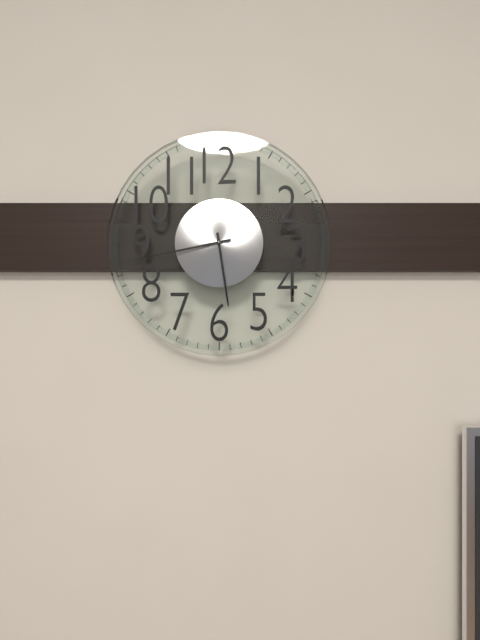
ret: {"hour": 5, "minute": 43}
